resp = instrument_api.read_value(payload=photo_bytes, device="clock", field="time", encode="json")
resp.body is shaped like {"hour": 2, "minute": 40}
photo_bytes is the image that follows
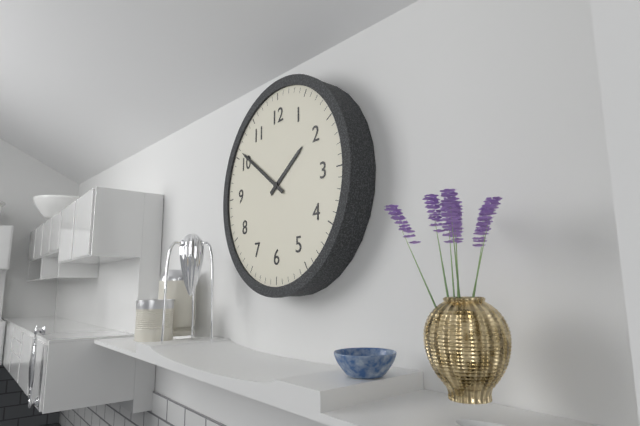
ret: {"hour": 1, "minute": 51}
